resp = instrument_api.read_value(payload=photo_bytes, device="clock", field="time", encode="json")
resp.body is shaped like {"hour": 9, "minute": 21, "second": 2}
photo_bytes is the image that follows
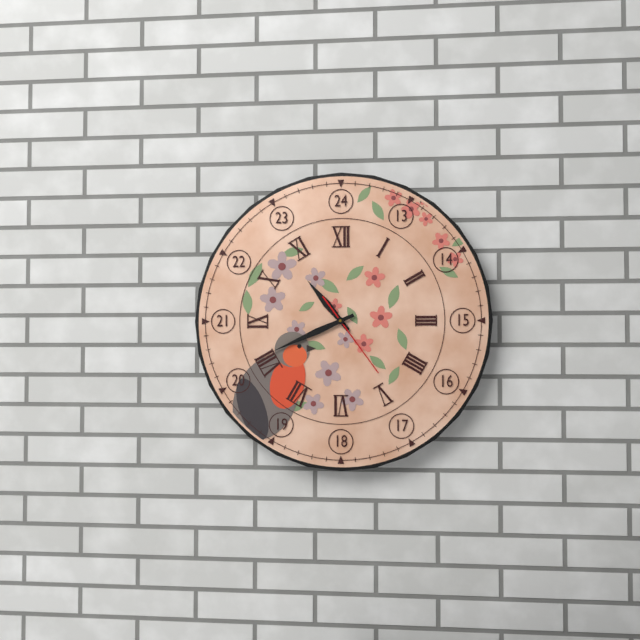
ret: {"hour": 10, "minute": 41, "second": 24}
